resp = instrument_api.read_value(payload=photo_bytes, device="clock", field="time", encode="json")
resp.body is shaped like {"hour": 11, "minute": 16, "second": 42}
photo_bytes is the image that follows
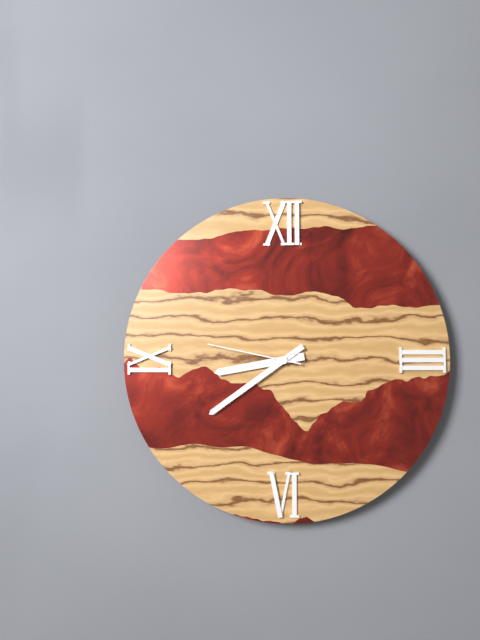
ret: {"hour": 8, "minute": 39, "second": 47}
